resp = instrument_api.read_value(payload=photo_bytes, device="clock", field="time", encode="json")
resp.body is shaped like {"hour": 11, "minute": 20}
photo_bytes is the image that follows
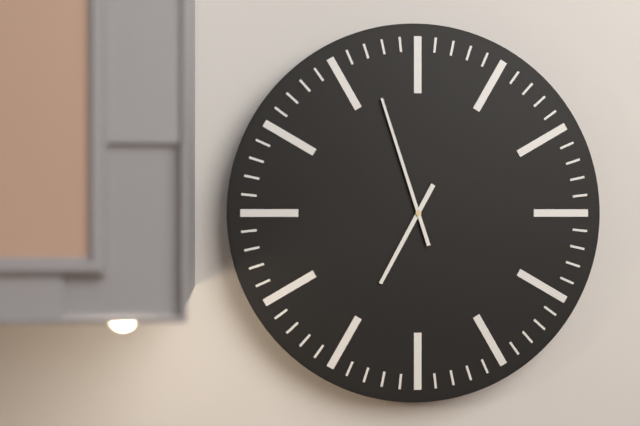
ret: {"hour": 6, "minute": 57}
